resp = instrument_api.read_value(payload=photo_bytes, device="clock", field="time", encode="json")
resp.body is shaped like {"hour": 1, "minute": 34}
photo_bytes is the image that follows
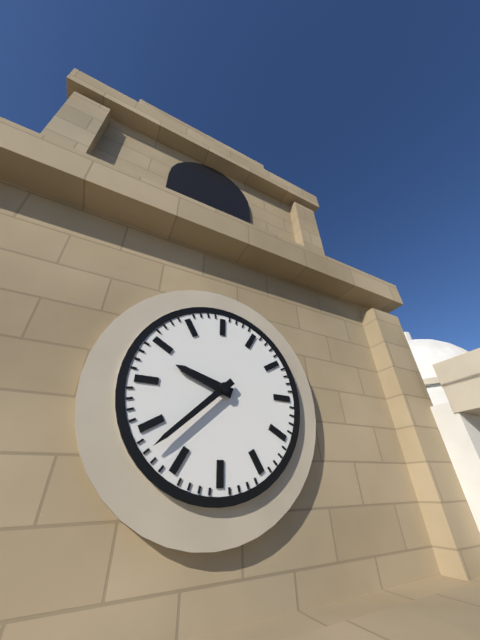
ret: {"hour": 9, "minute": 38}
